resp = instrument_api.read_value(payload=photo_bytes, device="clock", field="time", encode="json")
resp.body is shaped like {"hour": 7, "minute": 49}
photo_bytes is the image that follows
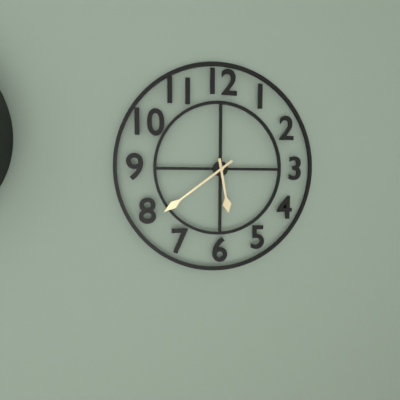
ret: {"hour": 5, "minute": 39}
